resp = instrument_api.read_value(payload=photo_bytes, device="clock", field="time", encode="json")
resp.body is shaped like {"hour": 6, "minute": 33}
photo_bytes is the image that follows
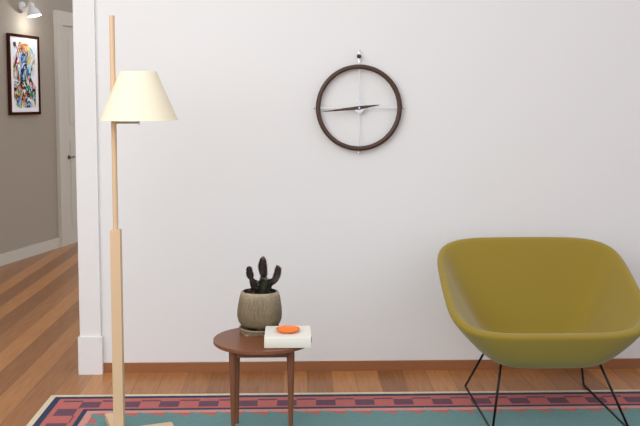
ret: {"hour": 2, "minute": 44}
